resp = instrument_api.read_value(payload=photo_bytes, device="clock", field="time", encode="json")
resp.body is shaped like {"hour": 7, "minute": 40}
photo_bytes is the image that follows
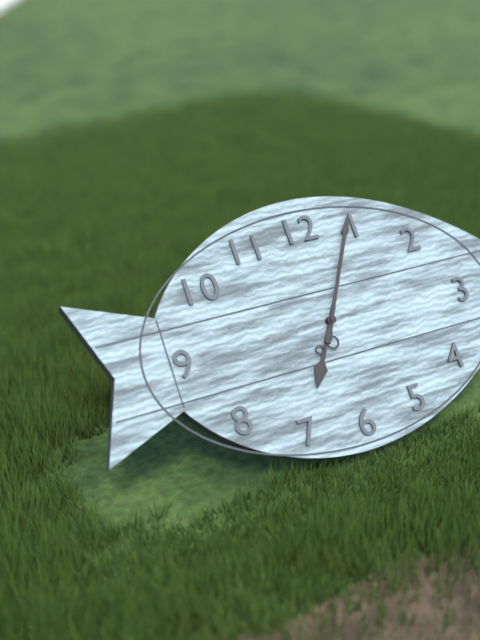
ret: {"hour": 7, "minute": 5}
